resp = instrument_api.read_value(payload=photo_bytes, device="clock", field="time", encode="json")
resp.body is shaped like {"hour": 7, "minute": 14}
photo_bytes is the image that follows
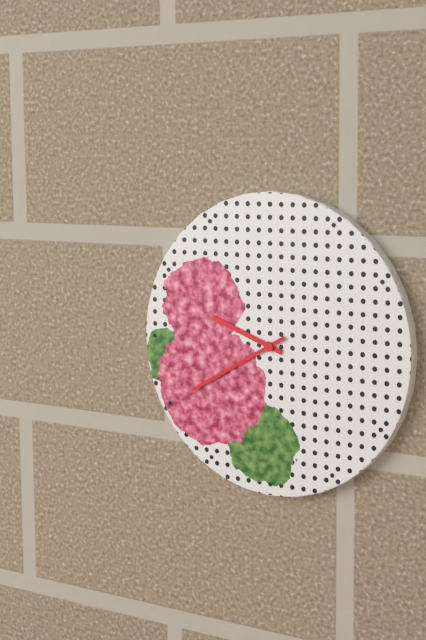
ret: {"hour": 9, "minute": 40}
